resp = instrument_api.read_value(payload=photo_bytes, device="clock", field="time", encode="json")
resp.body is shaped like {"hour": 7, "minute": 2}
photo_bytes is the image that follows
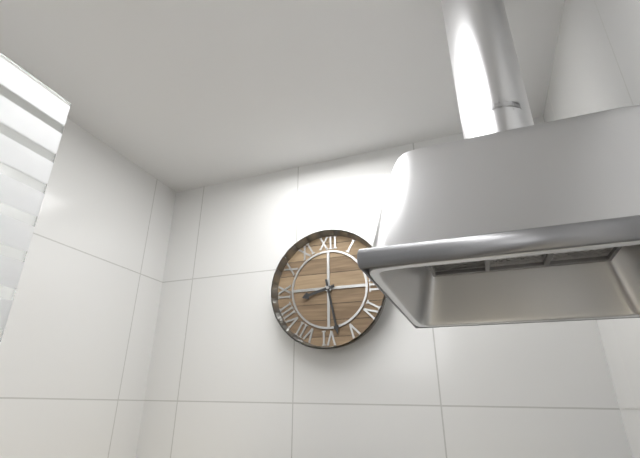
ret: {"hour": 8, "minute": 28}
